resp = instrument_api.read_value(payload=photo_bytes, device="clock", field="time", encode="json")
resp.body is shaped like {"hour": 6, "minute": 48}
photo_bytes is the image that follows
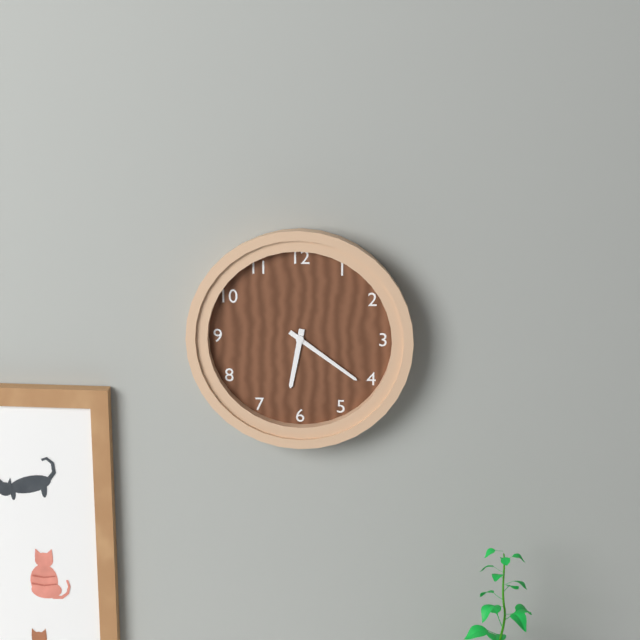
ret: {"hour": 6, "minute": 21}
